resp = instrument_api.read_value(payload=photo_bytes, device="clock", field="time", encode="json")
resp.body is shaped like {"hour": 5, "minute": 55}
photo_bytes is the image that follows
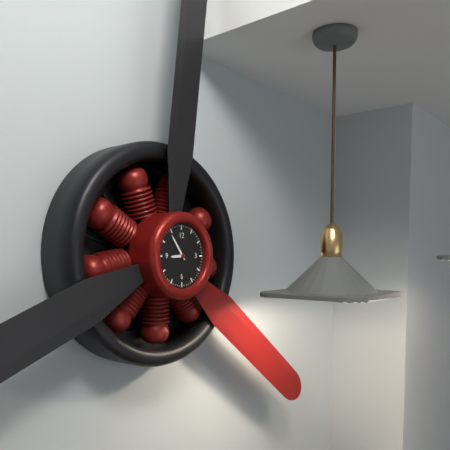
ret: {"hour": 8, "minute": 54}
